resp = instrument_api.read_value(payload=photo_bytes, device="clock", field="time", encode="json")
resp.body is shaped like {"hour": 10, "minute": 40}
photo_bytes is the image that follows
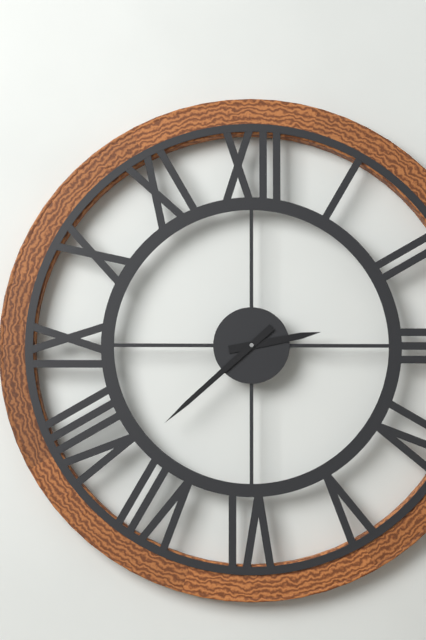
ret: {"hour": 2, "minute": 38}
